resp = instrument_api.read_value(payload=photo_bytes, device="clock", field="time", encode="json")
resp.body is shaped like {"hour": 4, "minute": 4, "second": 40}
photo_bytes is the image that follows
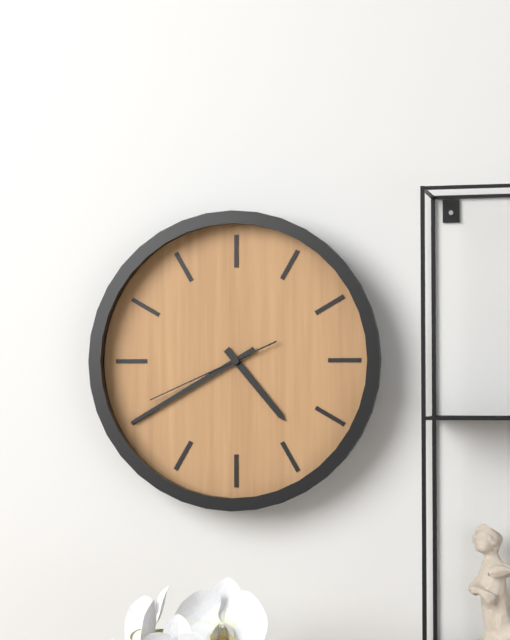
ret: {"hour": 4, "minute": 40, "second": 41}
